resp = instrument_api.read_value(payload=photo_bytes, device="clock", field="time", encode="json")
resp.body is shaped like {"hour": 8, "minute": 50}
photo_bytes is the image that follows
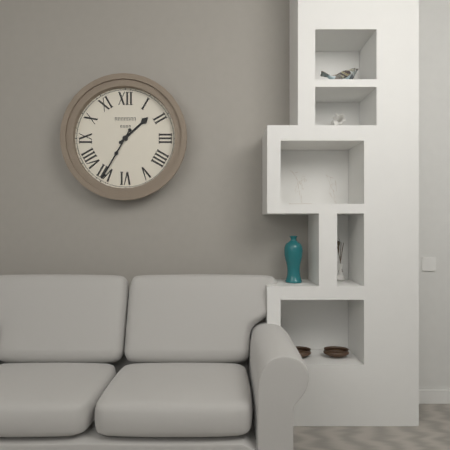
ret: {"hour": 1, "minute": 35}
